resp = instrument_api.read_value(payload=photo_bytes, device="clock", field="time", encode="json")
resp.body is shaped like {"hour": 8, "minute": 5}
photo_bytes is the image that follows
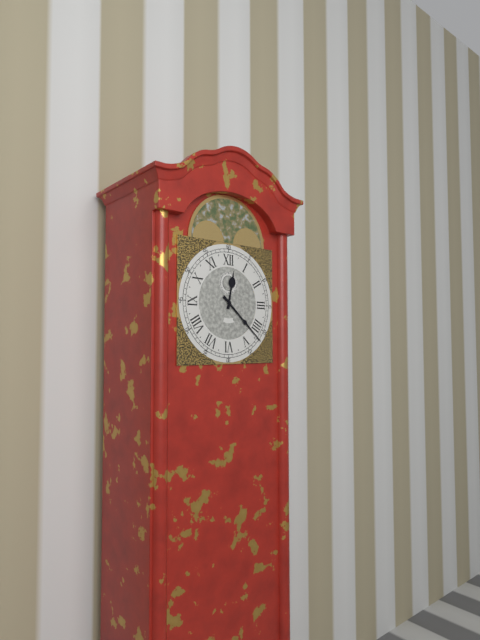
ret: {"hour": 12, "minute": 22}
